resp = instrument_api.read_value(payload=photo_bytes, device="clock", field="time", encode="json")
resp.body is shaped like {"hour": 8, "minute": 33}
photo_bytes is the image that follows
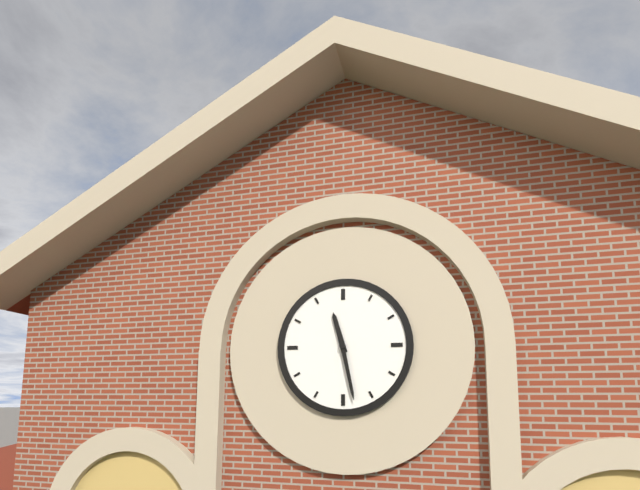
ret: {"hour": 11, "minute": 28}
